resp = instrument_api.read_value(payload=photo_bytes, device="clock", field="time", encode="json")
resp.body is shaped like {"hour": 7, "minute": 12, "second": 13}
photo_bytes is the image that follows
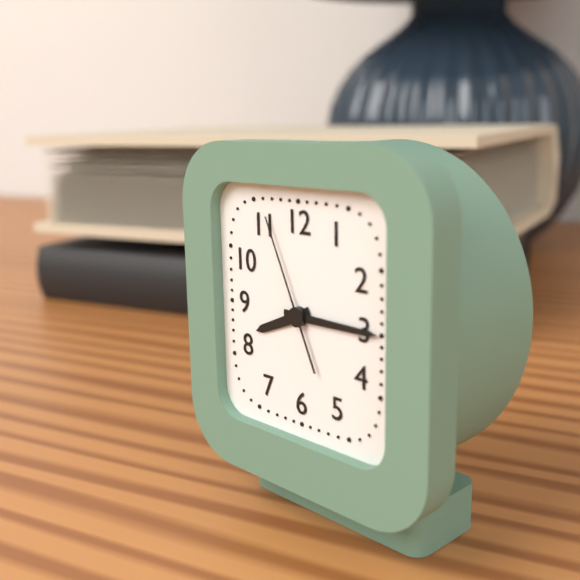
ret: {"hour": 8, "minute": 15, "second": 56}
